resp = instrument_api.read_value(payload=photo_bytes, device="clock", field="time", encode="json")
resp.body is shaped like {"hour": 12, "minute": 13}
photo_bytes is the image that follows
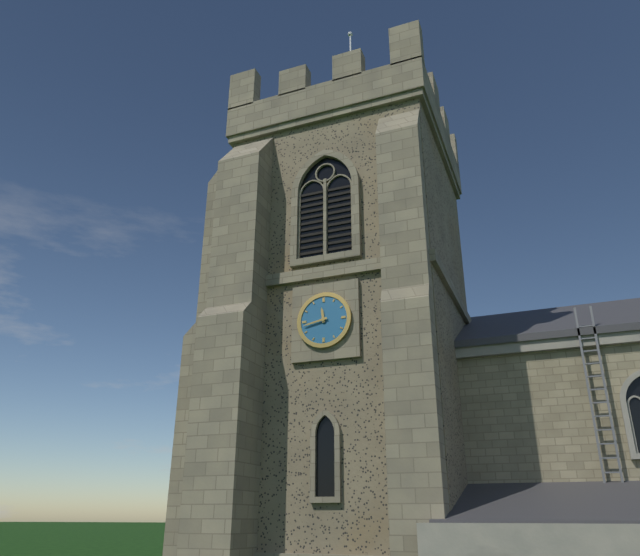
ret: {"hour": 11, "minute": 43}
